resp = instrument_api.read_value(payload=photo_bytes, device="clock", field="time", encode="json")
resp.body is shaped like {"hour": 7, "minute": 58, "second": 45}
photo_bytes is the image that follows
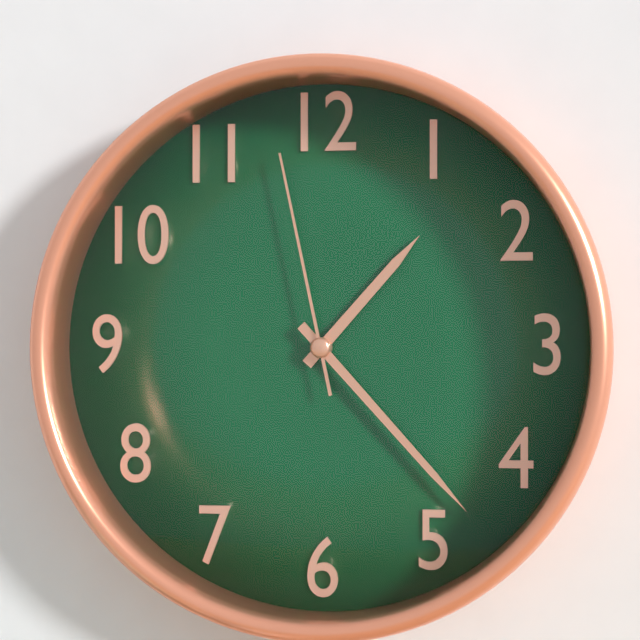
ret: {"hour": 1, "minute": 23, "second": 58}
